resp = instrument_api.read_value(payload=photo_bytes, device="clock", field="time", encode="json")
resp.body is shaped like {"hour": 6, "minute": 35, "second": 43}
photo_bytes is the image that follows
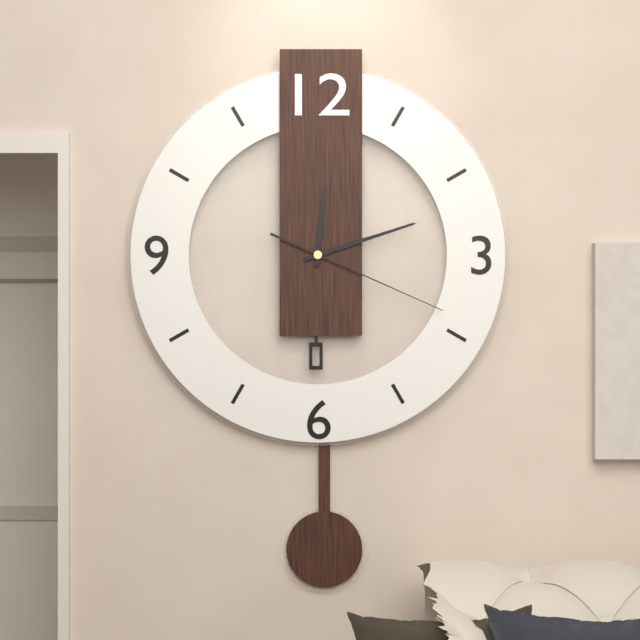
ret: {"hour": 12, "minute": 12, "second": 19}
